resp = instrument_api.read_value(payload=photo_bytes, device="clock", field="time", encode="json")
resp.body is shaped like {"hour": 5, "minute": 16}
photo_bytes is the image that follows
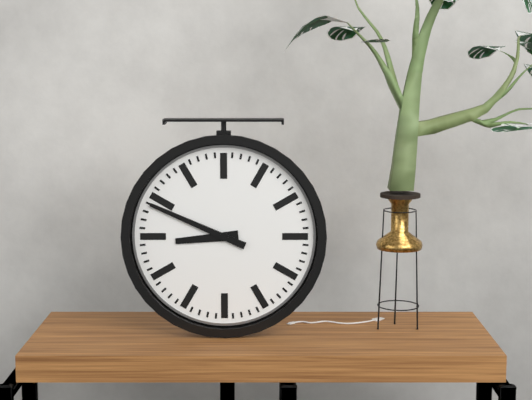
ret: {"hour": 8, "minute": 49}
